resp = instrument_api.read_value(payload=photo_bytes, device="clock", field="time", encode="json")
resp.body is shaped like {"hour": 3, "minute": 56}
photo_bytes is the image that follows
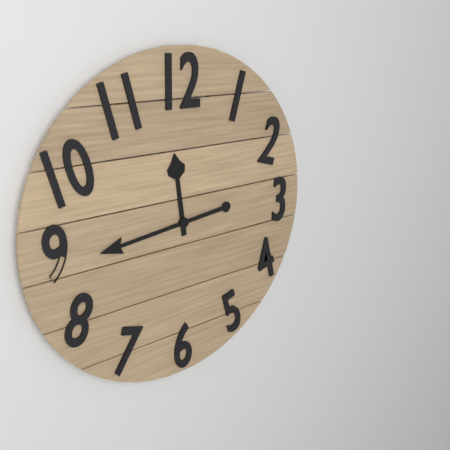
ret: {"hour": 11, "minute": 44}
